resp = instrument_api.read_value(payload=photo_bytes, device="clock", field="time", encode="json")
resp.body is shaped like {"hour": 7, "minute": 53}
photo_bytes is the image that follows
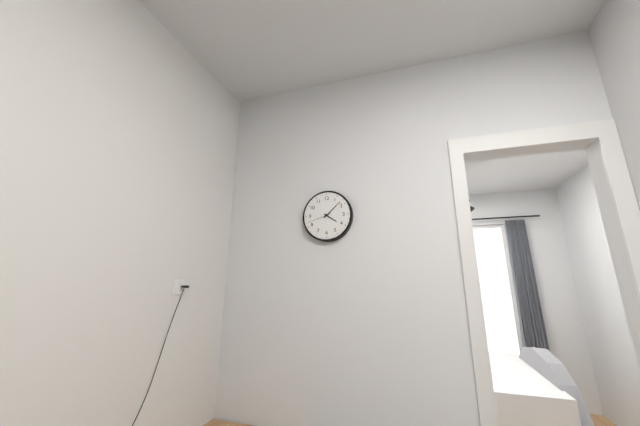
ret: {"hour": 4, "minute": 8}
